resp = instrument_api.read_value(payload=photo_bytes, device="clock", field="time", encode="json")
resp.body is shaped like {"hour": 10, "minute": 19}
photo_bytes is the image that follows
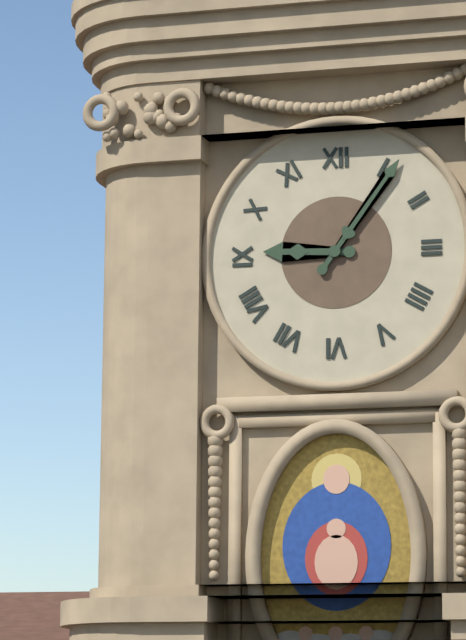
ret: {"hour": 9, "minute": 6}
